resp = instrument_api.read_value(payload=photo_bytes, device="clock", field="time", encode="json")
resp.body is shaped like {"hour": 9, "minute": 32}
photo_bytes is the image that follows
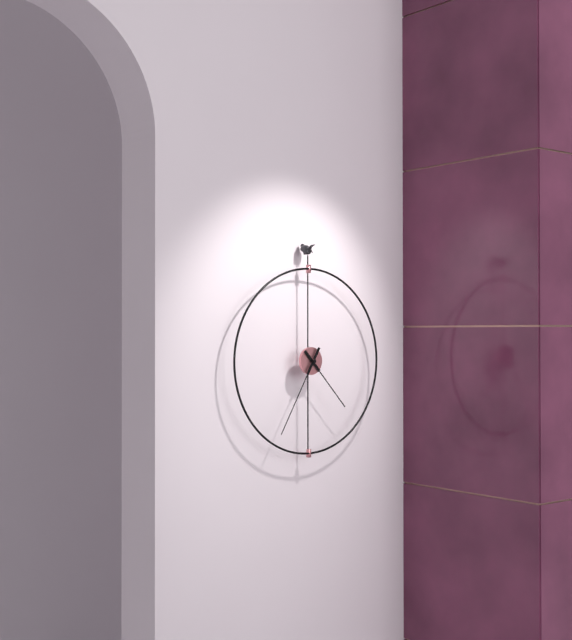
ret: {"hour": 4, "minute": 35}
